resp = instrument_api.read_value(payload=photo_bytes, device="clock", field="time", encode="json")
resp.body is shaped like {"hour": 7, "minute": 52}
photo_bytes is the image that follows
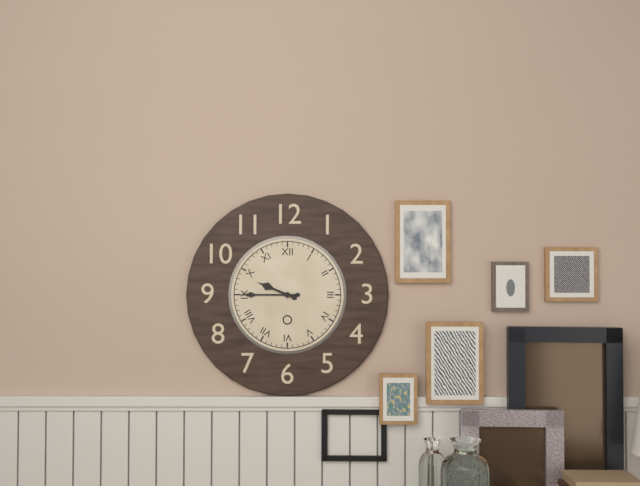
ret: {"hour": 9, "minute": 45}
